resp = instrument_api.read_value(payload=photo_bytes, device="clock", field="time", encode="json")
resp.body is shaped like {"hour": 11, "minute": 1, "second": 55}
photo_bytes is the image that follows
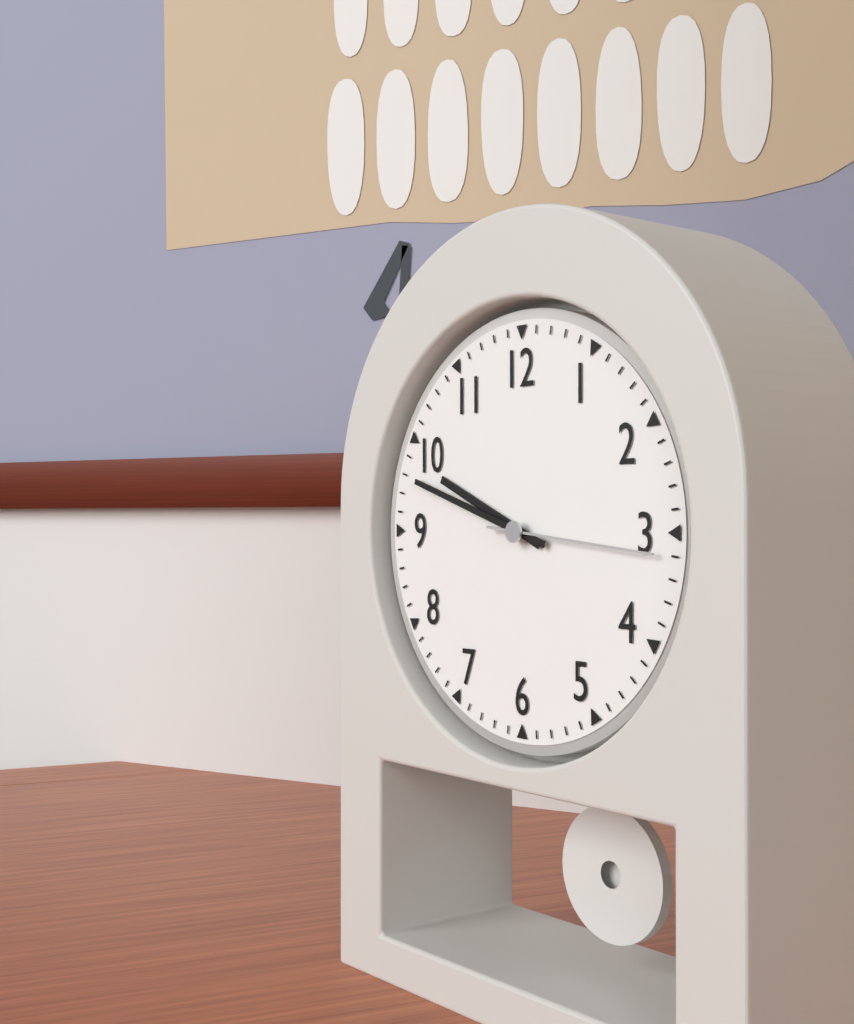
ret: {"hour": 9, "minute": 48, "second": 16}
